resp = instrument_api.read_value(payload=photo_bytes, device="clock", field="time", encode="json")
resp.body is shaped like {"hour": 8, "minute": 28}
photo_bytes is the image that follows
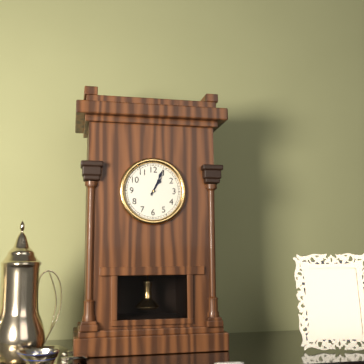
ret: {"hour": 1, "minute": 4}
